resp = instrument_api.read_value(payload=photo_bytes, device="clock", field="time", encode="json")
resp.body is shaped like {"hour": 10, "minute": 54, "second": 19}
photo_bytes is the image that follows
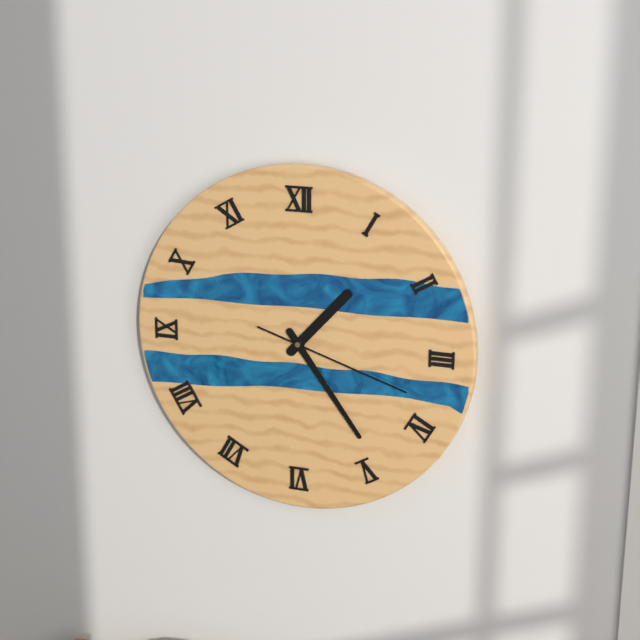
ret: {"hour": 1, "minute": 24, "second": 18}
